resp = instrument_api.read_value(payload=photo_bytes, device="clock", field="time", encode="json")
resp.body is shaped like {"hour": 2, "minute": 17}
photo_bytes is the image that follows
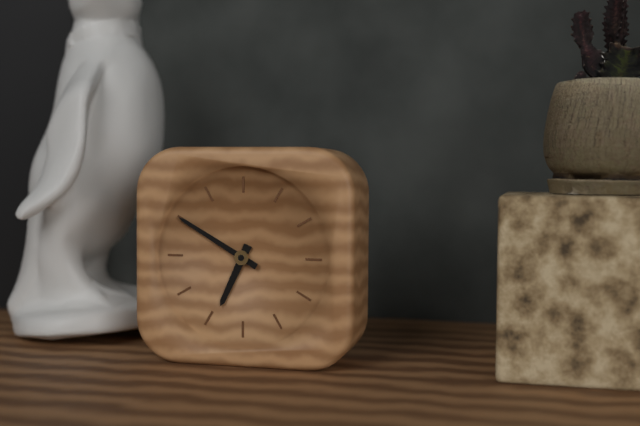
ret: {"hour": 6, "minute": 50}
